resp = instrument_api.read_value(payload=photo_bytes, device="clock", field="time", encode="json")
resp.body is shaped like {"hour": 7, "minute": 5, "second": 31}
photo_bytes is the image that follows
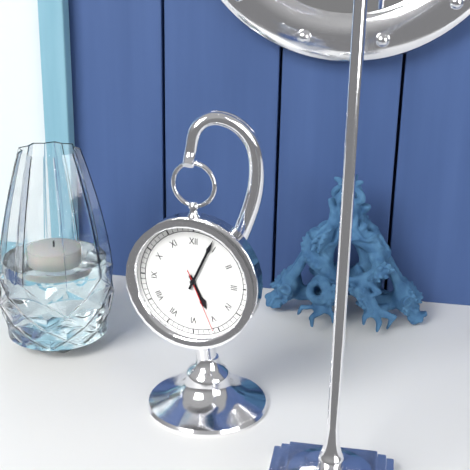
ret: {"hour": 5, "minute": 4, "second": 26}
